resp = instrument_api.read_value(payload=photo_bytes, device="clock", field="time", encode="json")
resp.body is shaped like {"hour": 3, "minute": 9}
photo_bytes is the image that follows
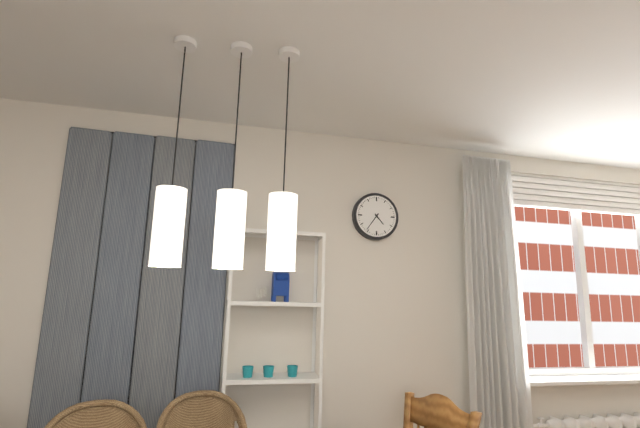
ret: {"hour": 4, "minute": 36}
